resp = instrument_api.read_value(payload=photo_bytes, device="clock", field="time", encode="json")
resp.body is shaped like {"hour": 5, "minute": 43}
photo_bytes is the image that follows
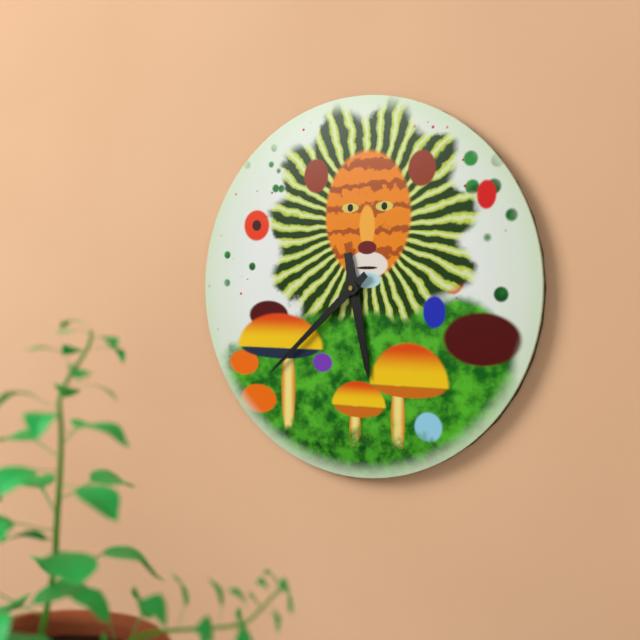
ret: {"hour": 5, "minute": 38}
